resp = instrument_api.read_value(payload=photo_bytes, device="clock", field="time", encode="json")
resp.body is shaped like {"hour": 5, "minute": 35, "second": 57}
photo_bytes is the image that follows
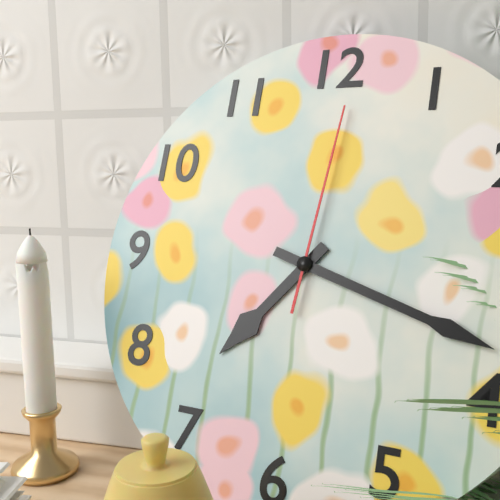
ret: {"hour": 7, "minute": 18, "second": 1}
